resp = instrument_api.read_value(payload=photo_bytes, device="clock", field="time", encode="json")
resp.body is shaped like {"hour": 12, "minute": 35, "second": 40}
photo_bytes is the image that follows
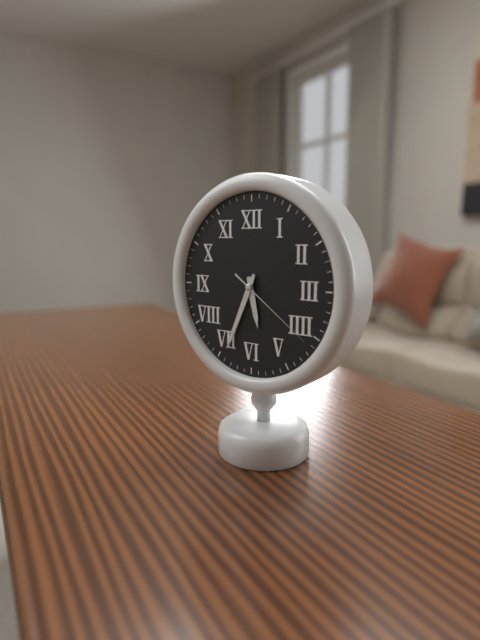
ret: {"hour": 5, "minute": 34, "second": 21}
